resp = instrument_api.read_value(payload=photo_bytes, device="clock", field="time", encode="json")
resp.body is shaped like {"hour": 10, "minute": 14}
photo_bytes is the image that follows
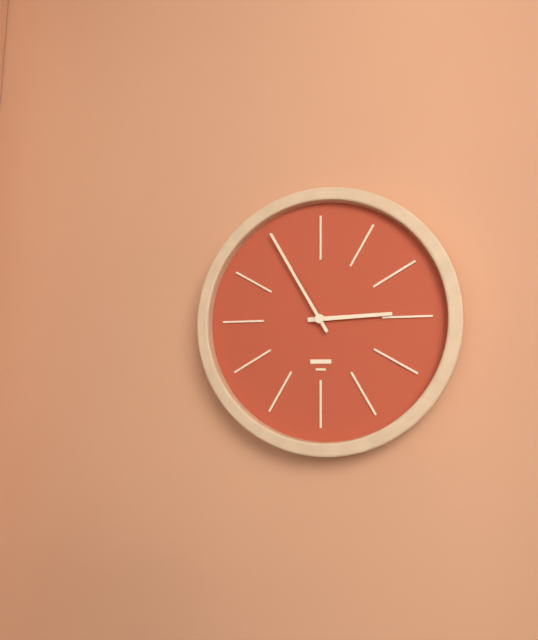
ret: {"hour": 2, "minute": 55}
